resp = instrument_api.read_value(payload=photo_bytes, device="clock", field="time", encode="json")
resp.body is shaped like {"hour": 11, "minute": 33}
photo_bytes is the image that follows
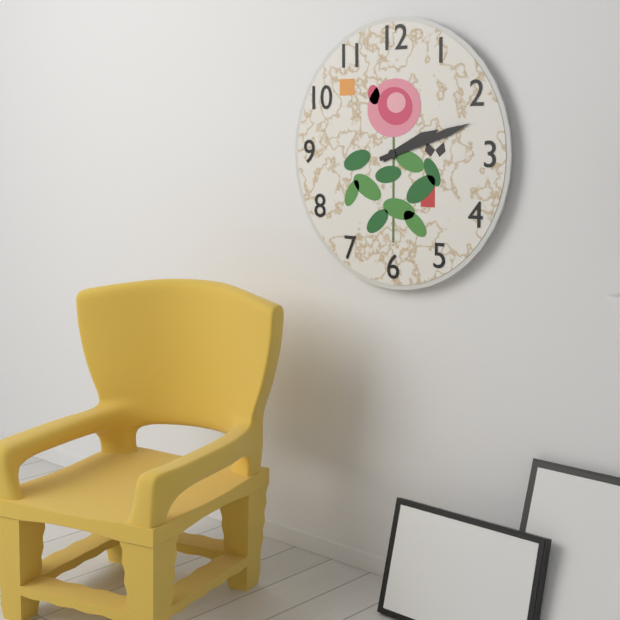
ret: {"hour": 2, "minute": 12}
